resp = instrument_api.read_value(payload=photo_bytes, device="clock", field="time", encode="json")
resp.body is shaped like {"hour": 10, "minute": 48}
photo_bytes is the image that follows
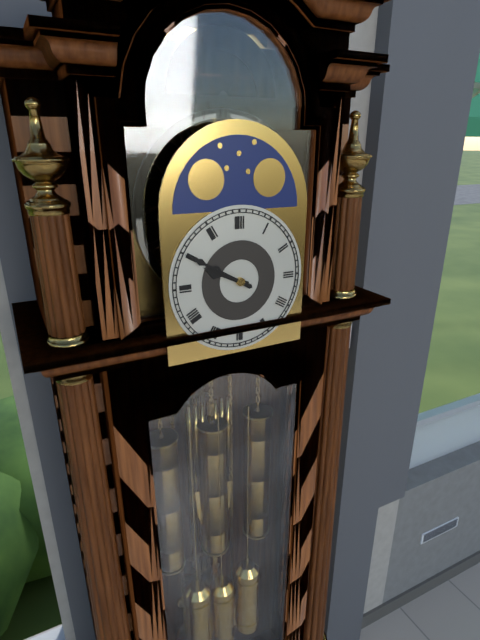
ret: {"hour": 9, "minute": 50}
